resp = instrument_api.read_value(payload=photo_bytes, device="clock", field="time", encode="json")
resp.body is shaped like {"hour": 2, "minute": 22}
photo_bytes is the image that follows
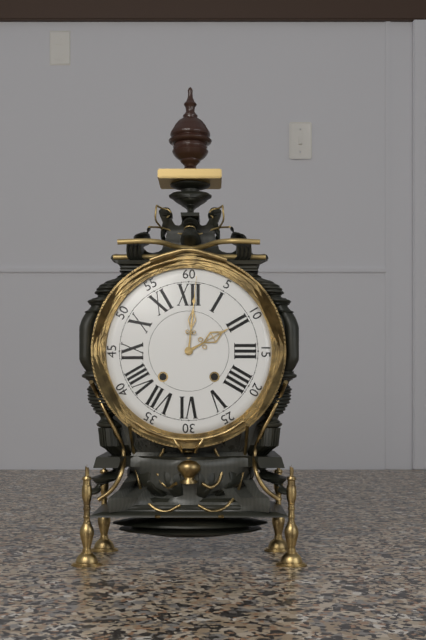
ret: {"hour": 2, "minute": 1}
